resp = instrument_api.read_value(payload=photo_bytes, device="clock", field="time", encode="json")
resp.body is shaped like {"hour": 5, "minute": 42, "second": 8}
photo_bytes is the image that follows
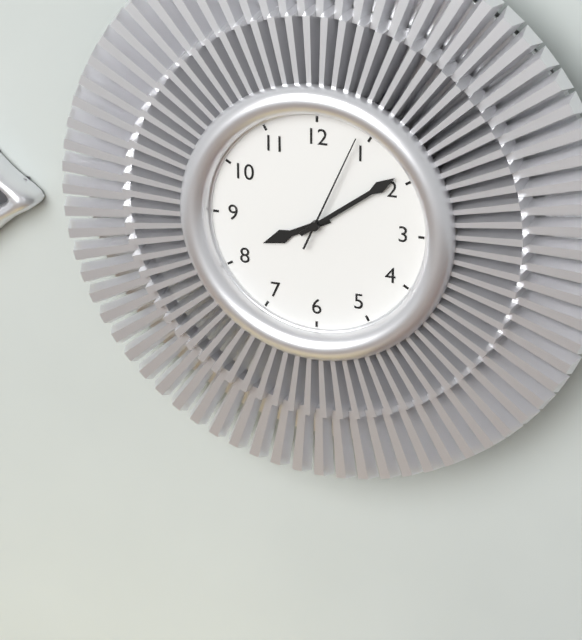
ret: {"hour": 8, "minute": 9, "second": 4}
